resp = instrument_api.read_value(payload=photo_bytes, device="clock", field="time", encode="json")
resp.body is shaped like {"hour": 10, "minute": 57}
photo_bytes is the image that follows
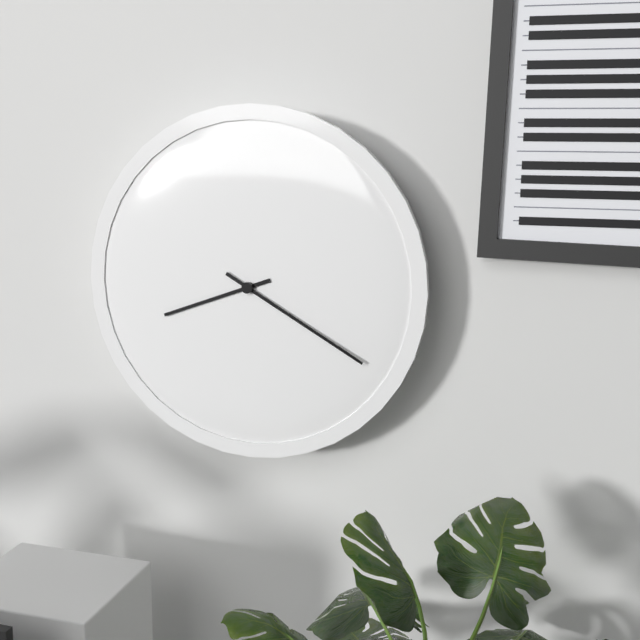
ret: {"hour": 8, "minute": 20}
